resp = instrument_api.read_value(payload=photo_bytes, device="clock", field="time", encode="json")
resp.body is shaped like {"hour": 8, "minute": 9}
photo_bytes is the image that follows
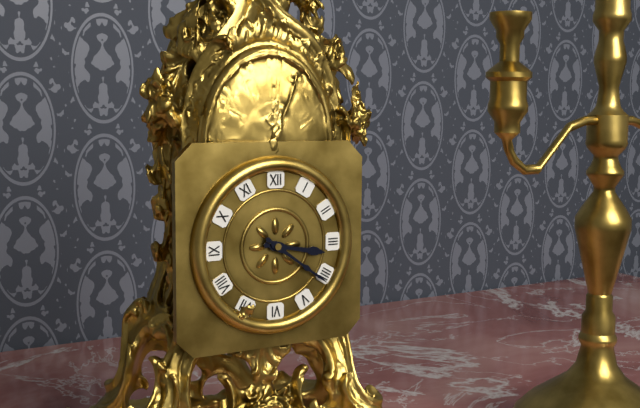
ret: {"hour": 3, "minute": 21}
